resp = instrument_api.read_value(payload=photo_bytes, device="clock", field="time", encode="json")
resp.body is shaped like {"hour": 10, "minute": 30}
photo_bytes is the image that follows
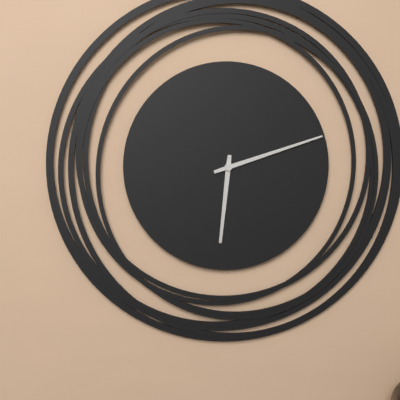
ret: {"hour": 6, "minute": 12}
